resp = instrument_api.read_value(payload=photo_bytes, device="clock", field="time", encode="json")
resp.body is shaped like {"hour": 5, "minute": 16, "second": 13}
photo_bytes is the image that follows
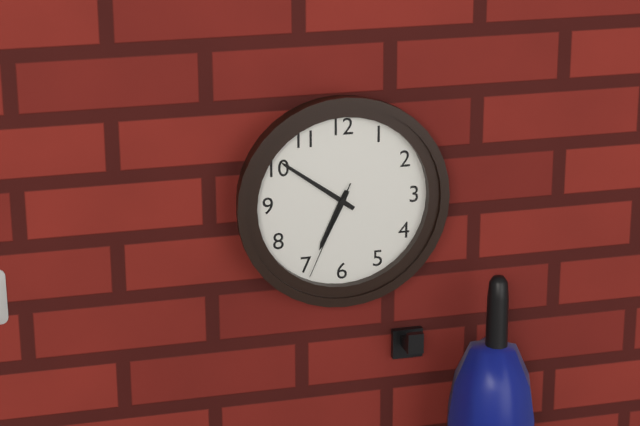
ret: {"hour": 6, "minute": 51, "second": 34}
